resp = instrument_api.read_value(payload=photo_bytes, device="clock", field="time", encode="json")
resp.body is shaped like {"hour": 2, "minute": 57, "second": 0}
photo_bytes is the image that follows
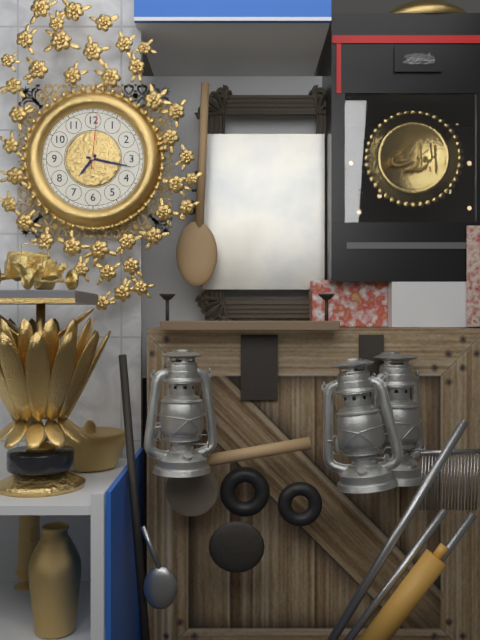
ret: {"hour": 7, "minute": 17, "second": 1}
